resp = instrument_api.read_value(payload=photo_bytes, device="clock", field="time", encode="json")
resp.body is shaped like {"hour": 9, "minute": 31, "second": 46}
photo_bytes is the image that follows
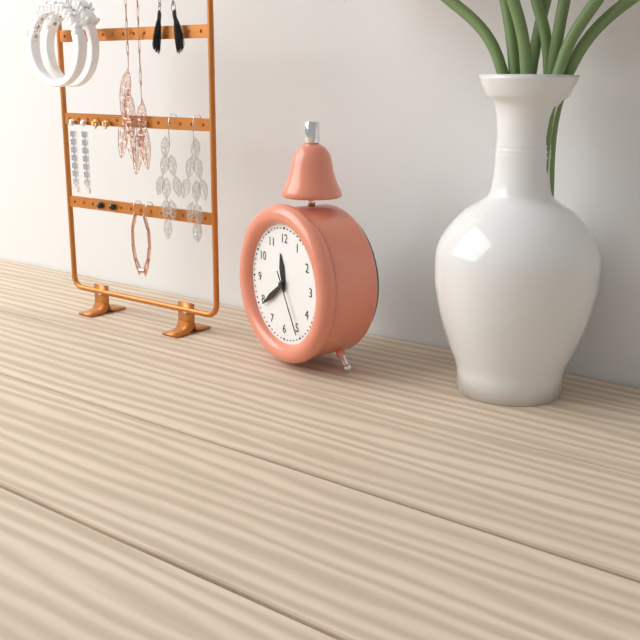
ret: {"hour": 11, "minute": 39, "second": 25}
